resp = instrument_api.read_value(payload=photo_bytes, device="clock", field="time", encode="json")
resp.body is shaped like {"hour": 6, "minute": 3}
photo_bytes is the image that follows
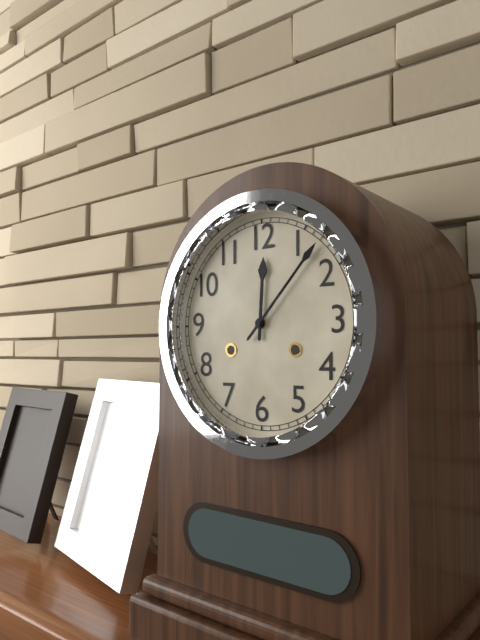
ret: {"hour": 12, "minute": 7}
